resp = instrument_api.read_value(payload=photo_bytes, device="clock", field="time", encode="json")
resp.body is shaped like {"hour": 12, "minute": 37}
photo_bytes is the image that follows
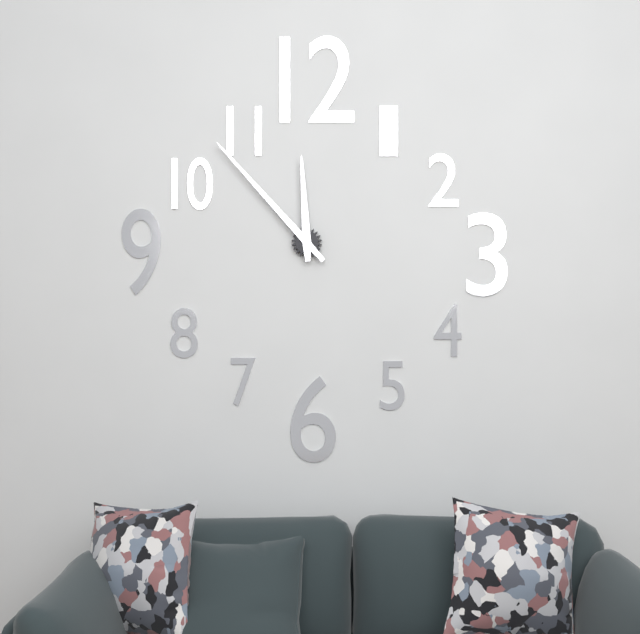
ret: {"hour": 11, "minute": 53}
